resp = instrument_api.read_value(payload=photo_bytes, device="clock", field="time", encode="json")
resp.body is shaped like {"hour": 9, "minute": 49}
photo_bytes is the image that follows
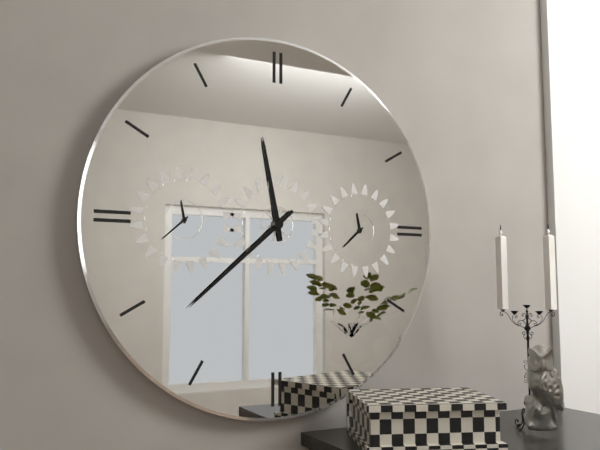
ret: {"hour": 11, "minute": 38}
